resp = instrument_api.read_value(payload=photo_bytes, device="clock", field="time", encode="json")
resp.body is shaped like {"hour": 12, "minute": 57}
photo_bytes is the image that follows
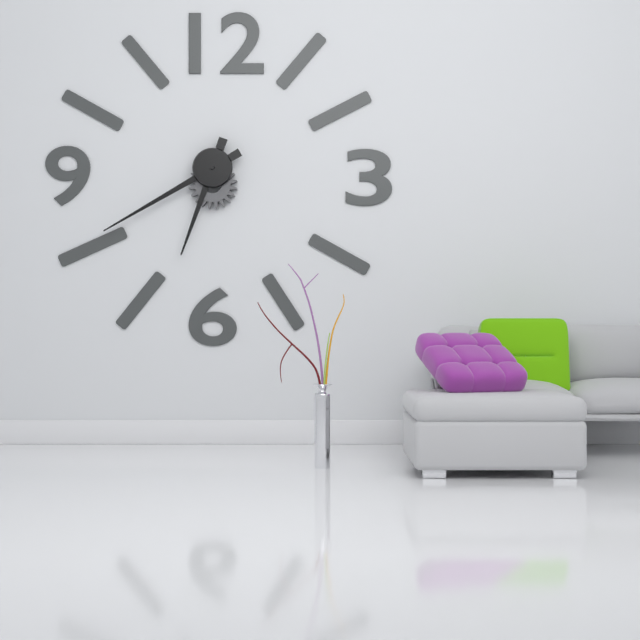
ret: {"hour": 6, "minute": 40}
